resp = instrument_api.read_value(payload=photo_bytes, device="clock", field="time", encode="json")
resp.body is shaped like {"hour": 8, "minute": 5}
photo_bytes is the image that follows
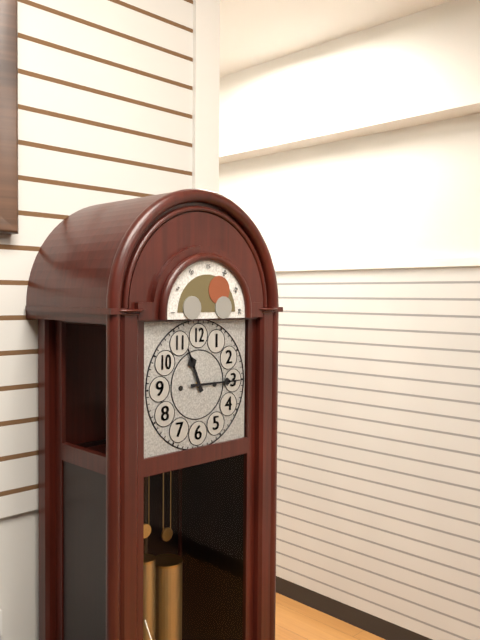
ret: {"hour": 11, "minute": 15}
